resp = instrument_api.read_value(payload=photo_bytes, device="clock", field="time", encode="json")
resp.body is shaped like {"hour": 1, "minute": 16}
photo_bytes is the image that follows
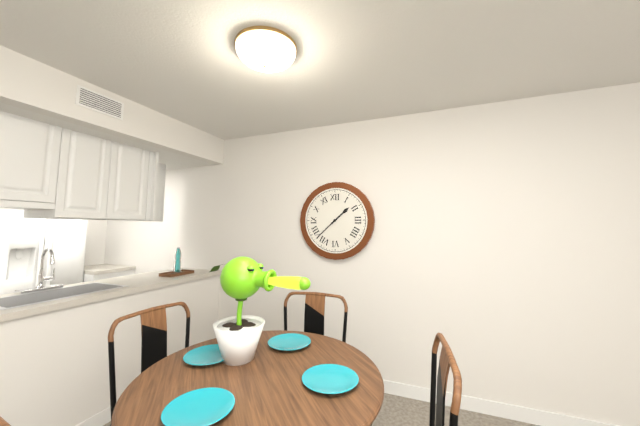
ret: {"hour": 1, "minute": 38}
